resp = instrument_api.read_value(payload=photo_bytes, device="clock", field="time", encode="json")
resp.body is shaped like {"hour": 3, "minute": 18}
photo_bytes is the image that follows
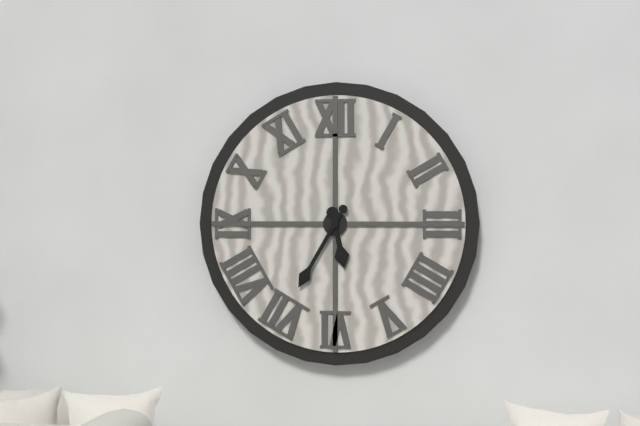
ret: {"hour": 5, "minute": 35}
